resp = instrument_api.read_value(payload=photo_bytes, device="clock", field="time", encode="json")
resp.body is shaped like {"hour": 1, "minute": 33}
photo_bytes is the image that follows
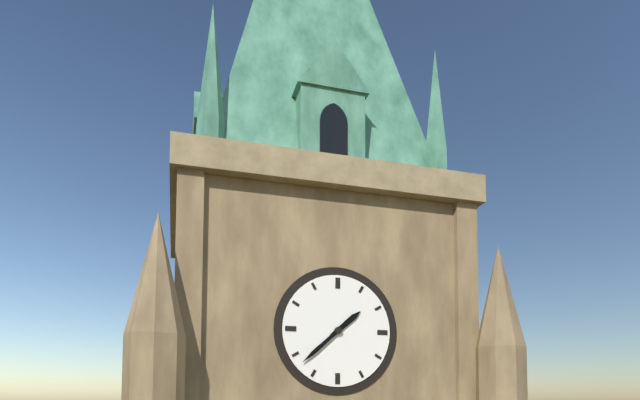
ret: {"hour": 1, "minute": 38}
